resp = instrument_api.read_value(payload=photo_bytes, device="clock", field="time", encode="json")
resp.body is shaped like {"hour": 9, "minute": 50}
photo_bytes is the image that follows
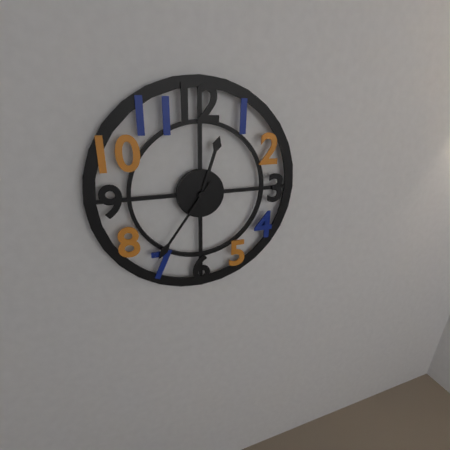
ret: {"hour": 12, "minute": 36}
